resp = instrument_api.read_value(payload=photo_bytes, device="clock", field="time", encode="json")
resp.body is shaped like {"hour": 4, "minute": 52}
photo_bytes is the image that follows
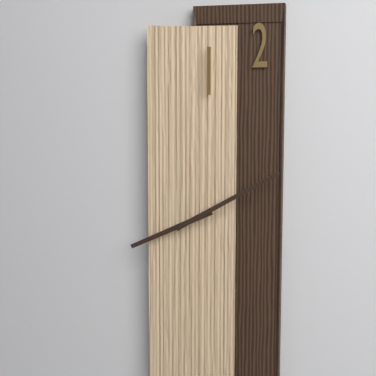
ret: {"hour": 8, "minute": 10}
